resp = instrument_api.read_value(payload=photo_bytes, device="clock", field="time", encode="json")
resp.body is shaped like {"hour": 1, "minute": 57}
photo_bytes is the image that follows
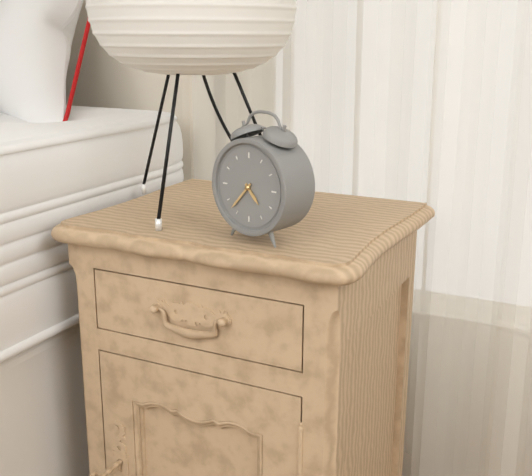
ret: {"hour": 4, "minute": 37}
